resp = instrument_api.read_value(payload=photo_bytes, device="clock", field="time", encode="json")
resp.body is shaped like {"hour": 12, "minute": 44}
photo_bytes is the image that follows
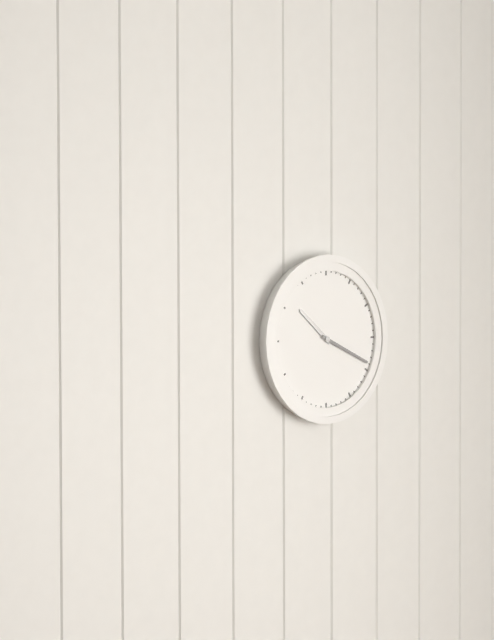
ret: {"hour": 10, "minute": 19}
